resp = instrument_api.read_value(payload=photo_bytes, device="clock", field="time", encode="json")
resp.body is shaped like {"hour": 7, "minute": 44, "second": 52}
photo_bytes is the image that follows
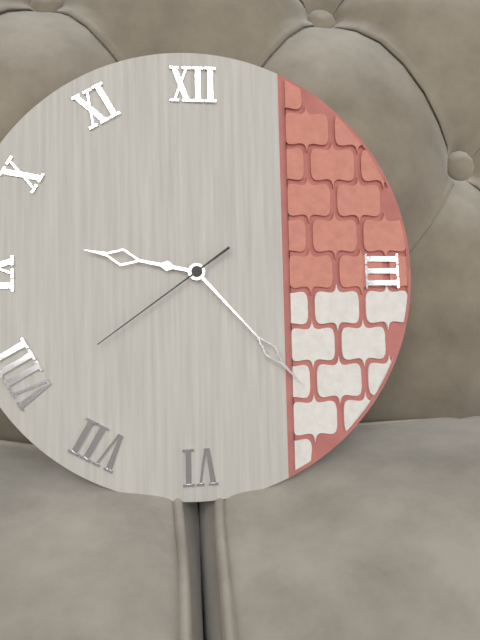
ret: {"hour": 9, "minute": 23, "second": 39}
